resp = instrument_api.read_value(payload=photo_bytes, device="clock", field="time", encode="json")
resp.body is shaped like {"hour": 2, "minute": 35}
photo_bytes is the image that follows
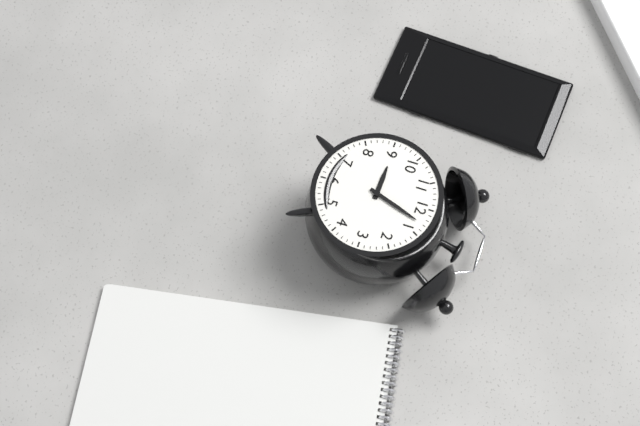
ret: {"hour": 9, "minute": 3}
